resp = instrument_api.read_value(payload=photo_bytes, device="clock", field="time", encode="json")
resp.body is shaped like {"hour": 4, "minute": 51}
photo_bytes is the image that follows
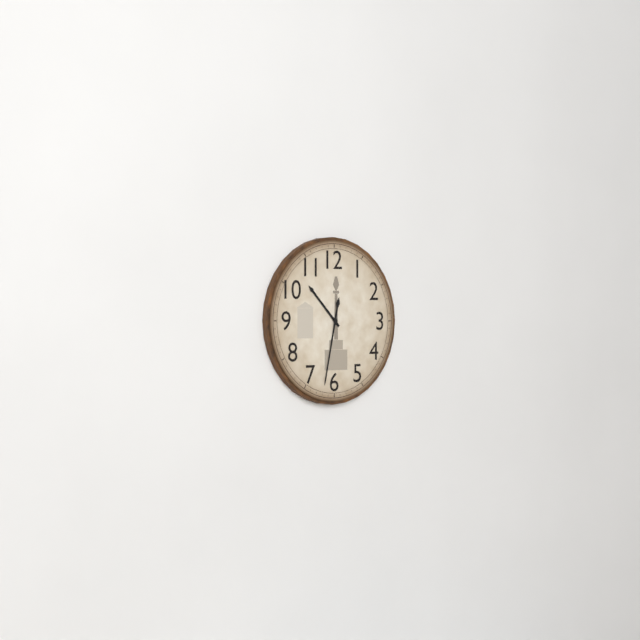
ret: {"hour": 10, "minute": 32}
